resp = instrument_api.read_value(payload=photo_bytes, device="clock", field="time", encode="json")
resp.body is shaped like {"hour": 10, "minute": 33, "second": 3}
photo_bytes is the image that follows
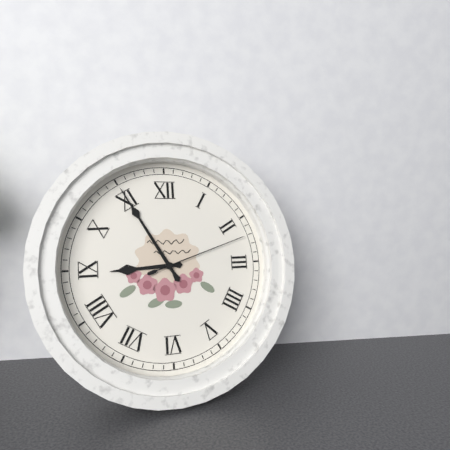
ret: {"hour": 8, "minute": 55, "second": 12}
